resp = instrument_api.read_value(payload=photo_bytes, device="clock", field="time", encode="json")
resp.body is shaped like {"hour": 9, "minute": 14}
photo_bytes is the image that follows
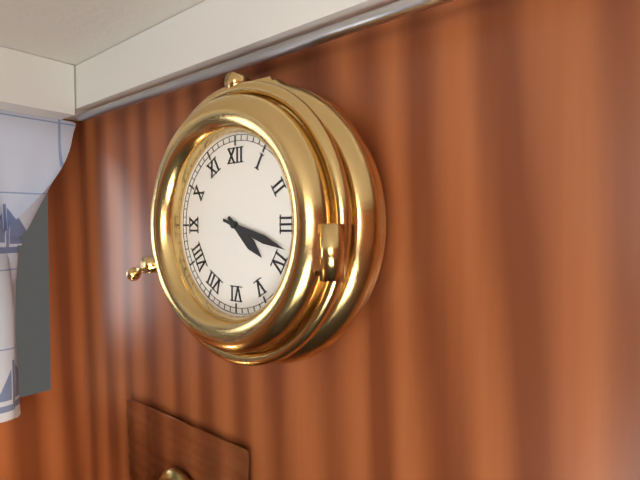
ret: {"hour": 4, "minute": 18}
